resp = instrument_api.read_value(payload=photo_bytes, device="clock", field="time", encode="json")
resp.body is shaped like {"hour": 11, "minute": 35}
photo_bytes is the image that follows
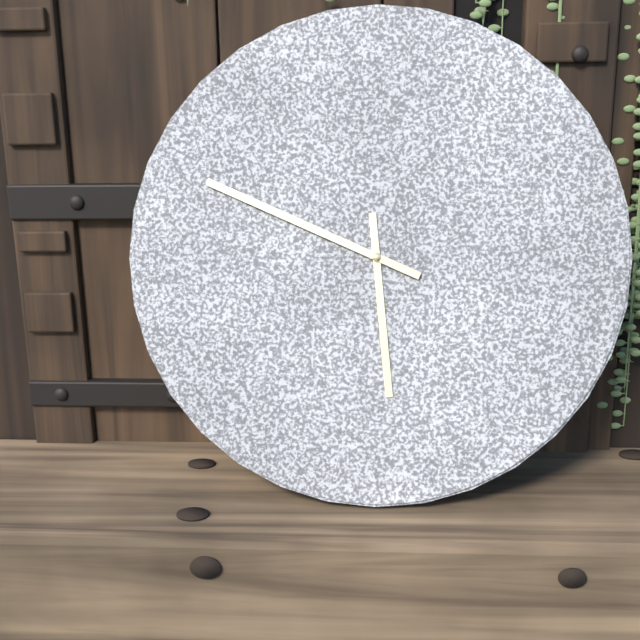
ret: {"hour": 5, "minute": 49}
